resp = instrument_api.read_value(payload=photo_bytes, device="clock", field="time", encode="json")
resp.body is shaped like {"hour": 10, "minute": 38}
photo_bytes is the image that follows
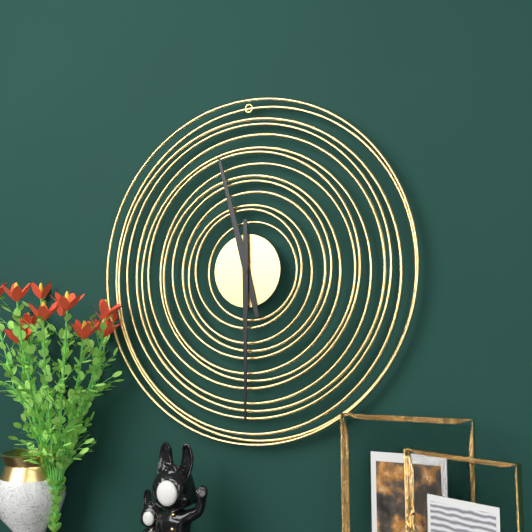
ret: {"hour": 11, "minute": 30}
